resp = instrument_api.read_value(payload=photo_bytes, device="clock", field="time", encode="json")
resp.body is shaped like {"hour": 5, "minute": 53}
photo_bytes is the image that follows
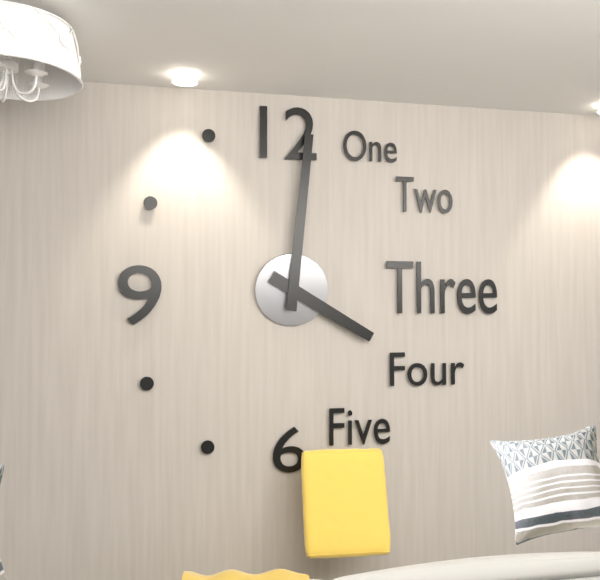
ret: {"hour": 4, "minute": 1}
